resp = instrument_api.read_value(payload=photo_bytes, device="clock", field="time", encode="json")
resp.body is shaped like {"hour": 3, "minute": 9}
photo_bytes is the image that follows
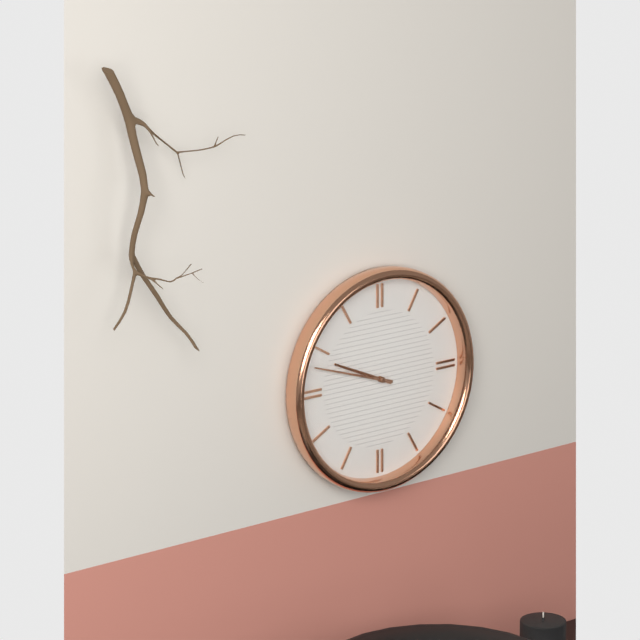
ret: {"hour": 9, "minute": 48}
